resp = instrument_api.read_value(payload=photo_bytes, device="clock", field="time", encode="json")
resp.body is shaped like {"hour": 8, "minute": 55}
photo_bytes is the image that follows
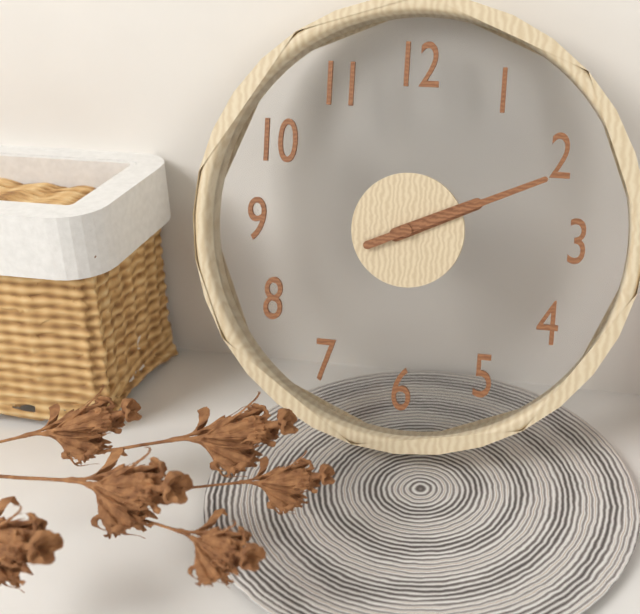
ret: {"hour": 2, "minute": 11}
